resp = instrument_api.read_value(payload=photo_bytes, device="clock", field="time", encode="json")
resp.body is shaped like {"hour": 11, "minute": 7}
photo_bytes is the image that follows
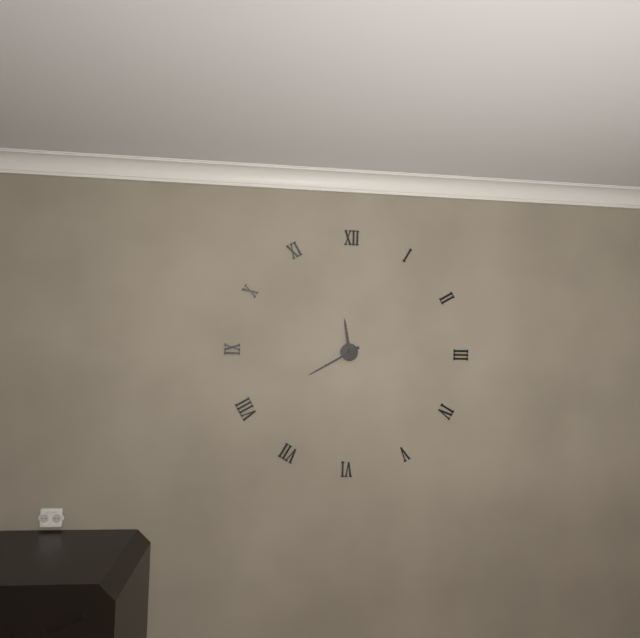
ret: {"hour": 11, "minute": 40}
